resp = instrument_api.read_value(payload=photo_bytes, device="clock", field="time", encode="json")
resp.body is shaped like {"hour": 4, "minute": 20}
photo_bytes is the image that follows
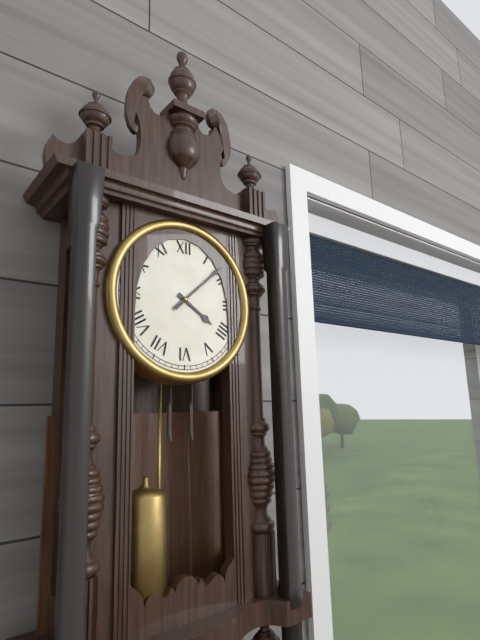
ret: {"hour": 4, "minute": 8}
